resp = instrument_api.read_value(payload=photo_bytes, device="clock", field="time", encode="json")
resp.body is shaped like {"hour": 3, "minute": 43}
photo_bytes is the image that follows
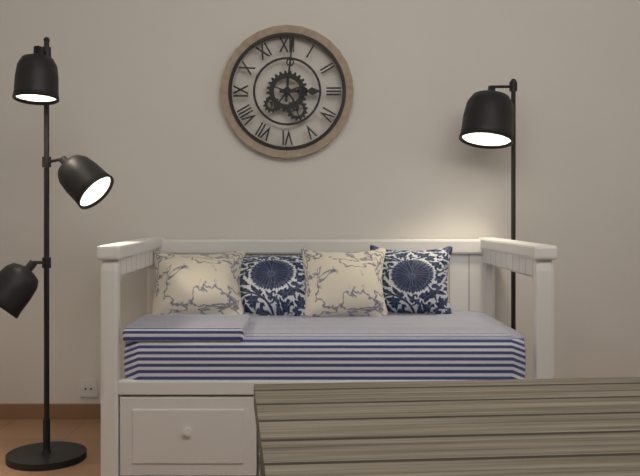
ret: {"hour": 3, "minute": 1}
